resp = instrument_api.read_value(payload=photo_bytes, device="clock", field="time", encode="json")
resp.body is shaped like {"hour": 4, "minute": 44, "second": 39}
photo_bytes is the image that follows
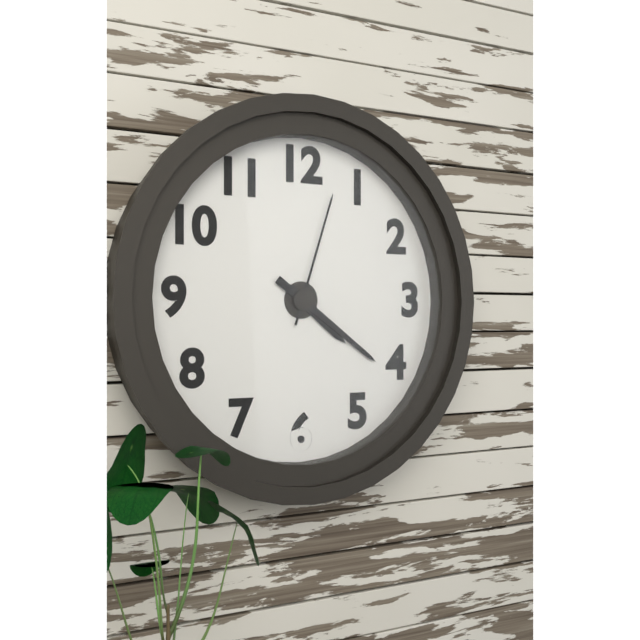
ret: {"hour": 4, "minute": 21, "second": 3}
